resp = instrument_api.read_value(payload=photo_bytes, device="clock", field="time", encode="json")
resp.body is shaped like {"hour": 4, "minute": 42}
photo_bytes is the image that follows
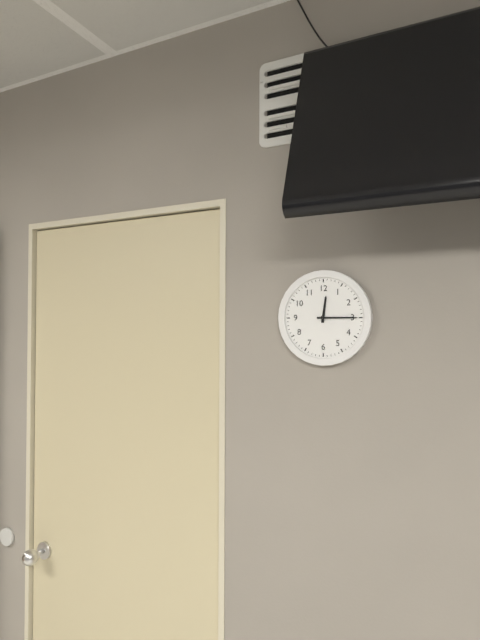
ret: {"hour": 12, "minute": 15}
